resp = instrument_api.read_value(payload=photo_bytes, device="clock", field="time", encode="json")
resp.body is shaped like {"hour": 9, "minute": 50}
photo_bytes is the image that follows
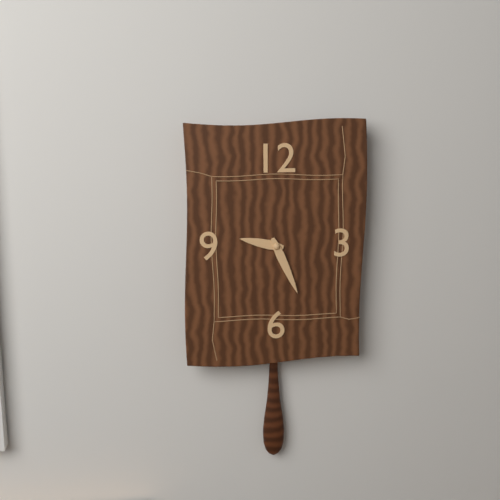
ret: {"hour": 9, "minute": 26}
